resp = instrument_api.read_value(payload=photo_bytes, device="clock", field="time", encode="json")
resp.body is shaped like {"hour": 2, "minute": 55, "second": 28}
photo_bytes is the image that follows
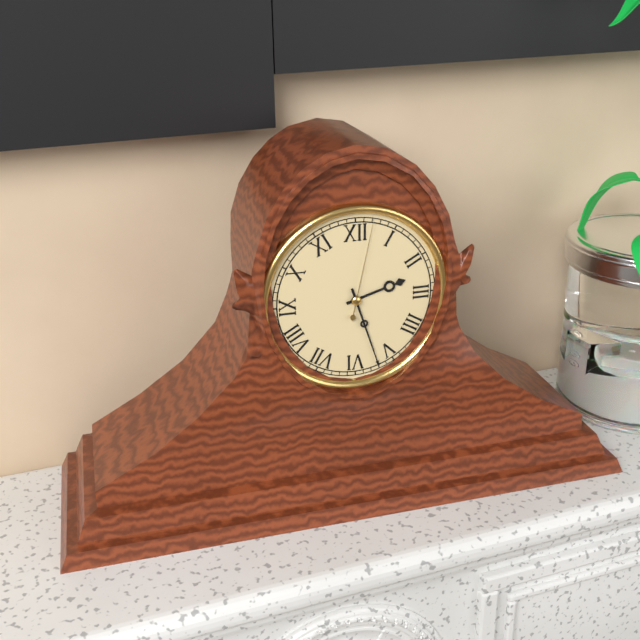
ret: {"hour": 2, "minute": 27, "second": 2}
